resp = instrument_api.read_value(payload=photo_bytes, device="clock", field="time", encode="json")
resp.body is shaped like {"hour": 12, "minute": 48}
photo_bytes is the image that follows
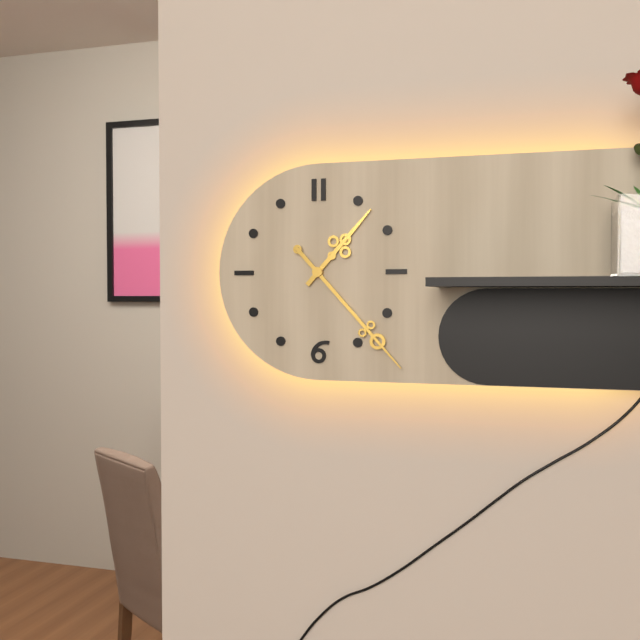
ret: {"hour": 1, "minute": 23}
